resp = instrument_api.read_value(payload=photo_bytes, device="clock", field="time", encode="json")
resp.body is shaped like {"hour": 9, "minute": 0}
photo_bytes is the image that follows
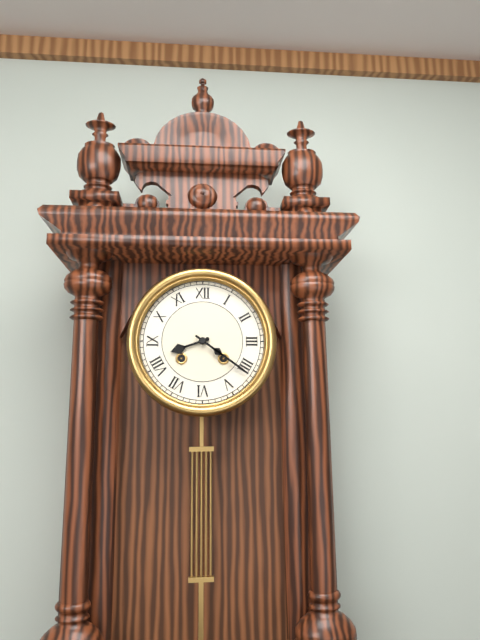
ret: {"hour": 8, "minute": 21}
